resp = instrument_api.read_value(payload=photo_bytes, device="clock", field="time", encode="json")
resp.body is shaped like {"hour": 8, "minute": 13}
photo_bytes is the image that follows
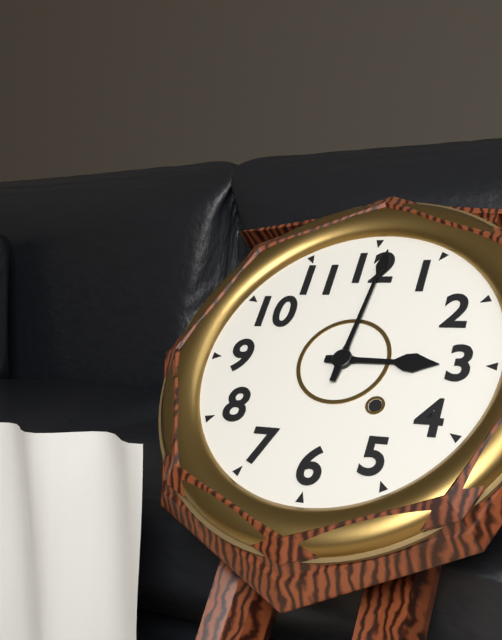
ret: {"hour": 3, "minute": 1}
